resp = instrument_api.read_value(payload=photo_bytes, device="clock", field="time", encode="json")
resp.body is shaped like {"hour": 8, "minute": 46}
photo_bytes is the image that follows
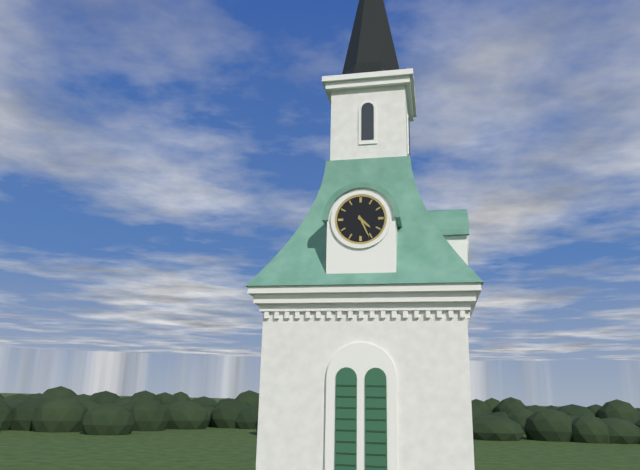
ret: {"hour": 4, "minute": 26}
